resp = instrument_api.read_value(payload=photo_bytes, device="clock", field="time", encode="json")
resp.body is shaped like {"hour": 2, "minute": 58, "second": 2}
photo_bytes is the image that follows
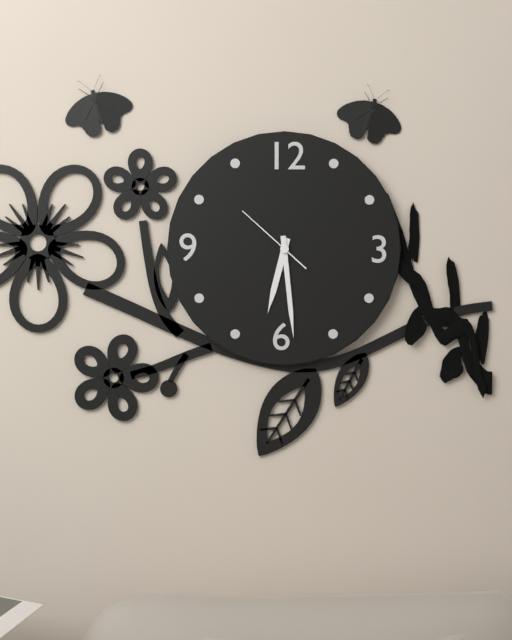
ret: {"hour": 6, "minute": 29, "second": 52}
